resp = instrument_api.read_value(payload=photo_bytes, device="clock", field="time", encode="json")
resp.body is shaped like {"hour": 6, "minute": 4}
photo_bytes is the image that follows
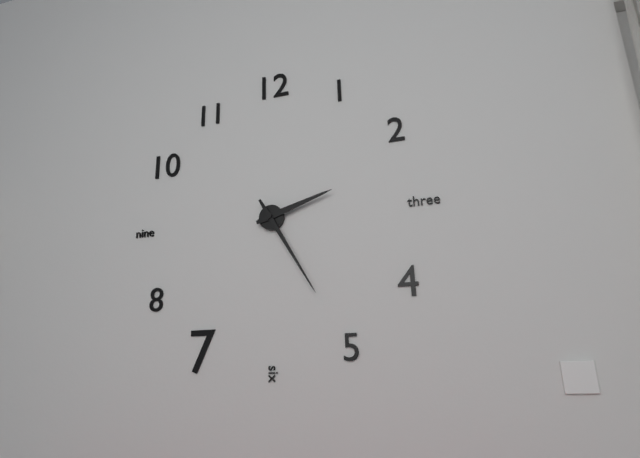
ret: {"hour": 2, "minute": 25}
